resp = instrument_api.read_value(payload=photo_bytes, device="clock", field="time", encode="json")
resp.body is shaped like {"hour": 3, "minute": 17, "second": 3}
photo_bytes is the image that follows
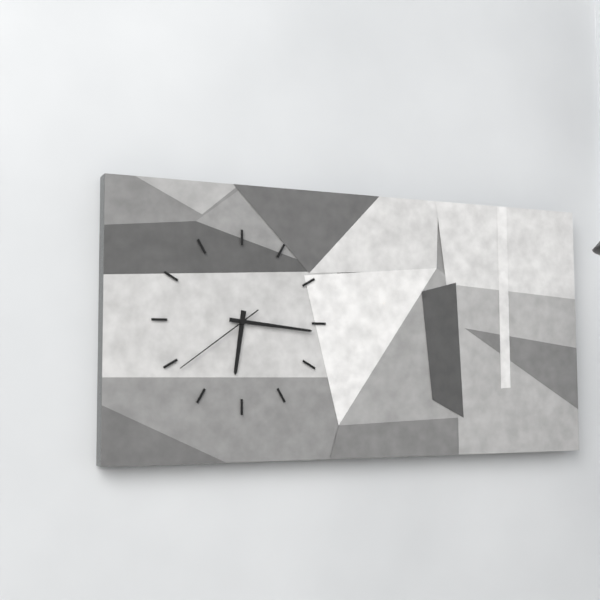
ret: {"hour": 6, "minute": 16, "second": 39}
